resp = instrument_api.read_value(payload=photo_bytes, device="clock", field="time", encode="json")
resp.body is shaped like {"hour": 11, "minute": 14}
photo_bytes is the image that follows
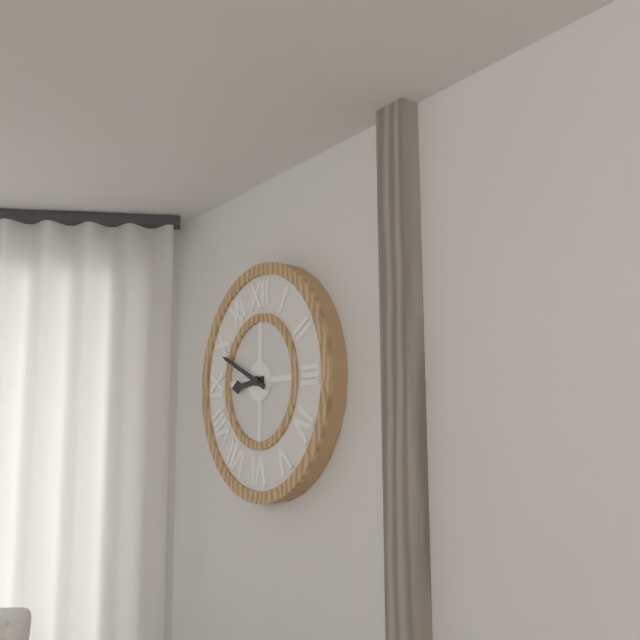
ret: {"hour": 8, "minute": 49}
